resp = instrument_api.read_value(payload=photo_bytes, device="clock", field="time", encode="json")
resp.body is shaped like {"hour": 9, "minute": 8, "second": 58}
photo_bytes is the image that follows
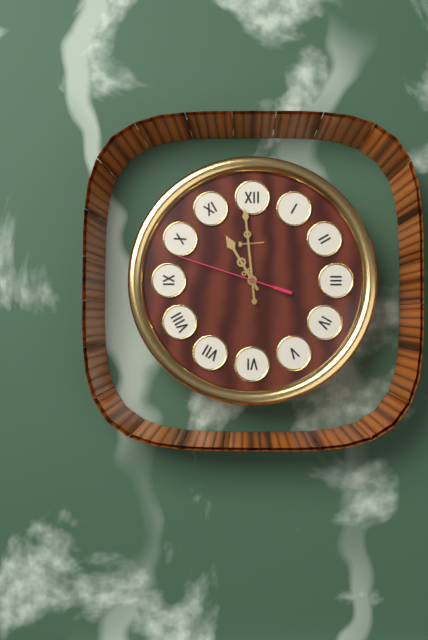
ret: {"hour": 10, "minute": 59, "second": 48}
